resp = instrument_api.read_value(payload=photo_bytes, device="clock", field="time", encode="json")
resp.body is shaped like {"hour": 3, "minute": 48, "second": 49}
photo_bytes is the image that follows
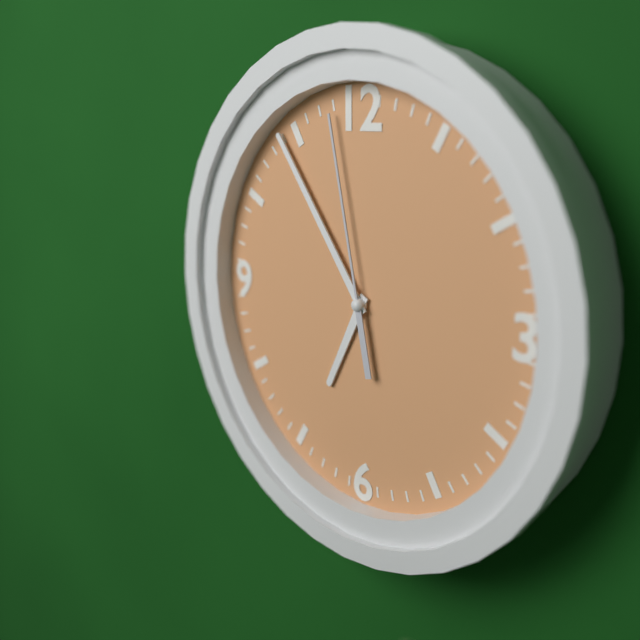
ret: {"hour": 6, "minute": 54, "second": 58}
